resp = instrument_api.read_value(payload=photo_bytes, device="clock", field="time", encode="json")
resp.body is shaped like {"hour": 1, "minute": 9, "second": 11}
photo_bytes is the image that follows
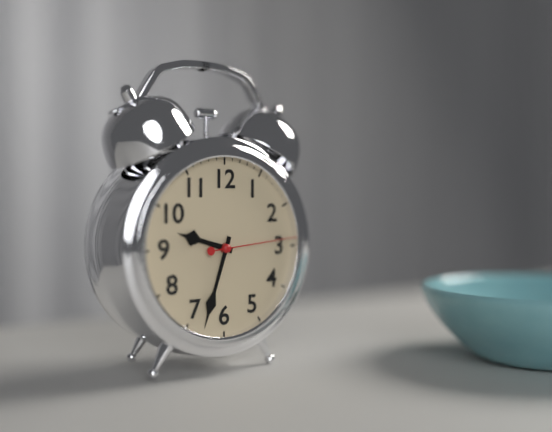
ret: {"hour": 9, "minute": 33, "second": 14}
